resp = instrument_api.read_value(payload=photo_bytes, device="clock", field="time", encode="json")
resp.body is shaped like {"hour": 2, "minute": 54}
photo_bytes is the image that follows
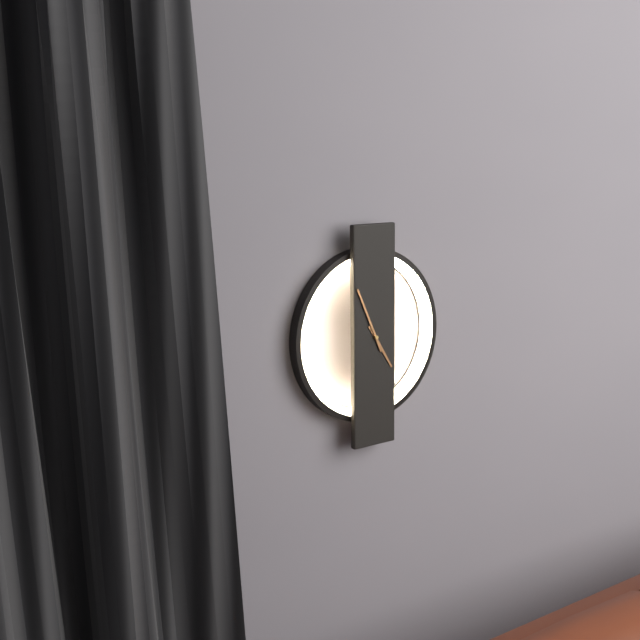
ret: {"hour": 4, "minute": 56}
